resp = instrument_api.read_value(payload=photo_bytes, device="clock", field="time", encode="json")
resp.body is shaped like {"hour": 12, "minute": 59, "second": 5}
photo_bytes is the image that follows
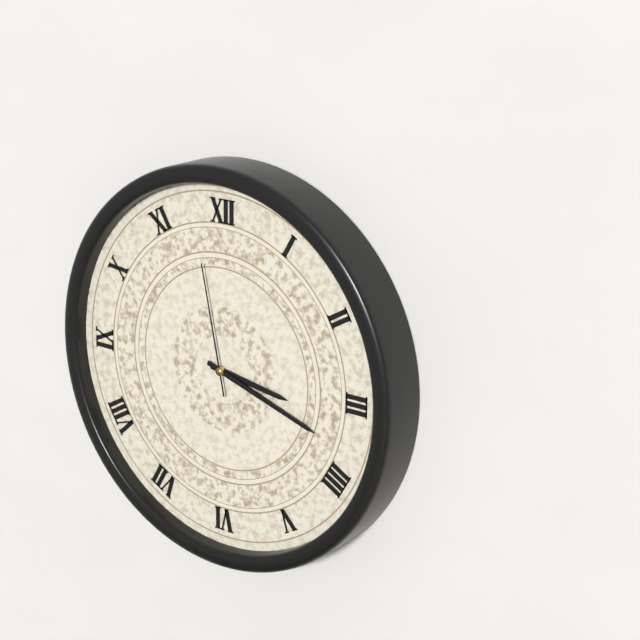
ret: {"hour": 3, "minute": 18, "second": 58}
